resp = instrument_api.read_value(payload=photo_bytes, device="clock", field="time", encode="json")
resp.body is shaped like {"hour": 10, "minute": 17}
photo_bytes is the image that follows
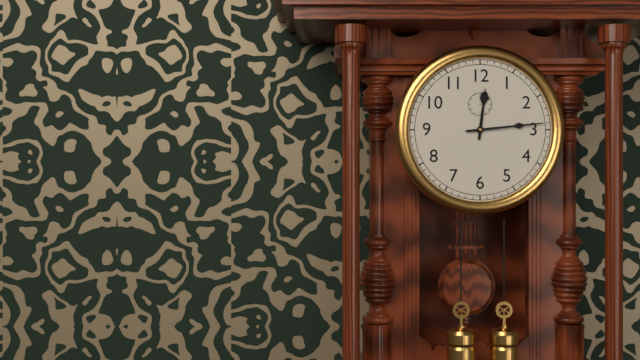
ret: {"hour": 12, "minute": 14}
